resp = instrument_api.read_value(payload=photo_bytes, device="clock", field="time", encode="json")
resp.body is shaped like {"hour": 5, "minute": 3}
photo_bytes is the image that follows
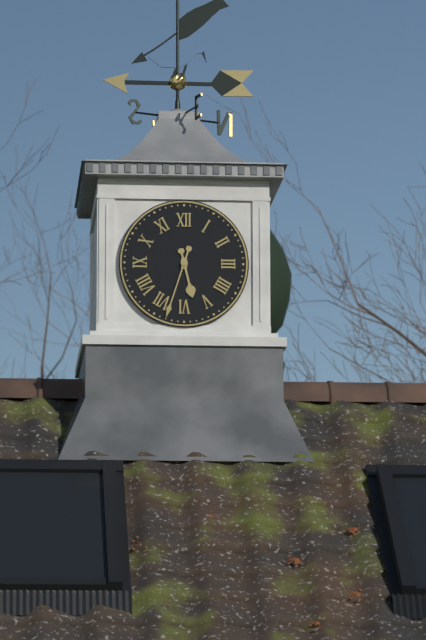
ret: {"hour": 5, "minute": 33}
